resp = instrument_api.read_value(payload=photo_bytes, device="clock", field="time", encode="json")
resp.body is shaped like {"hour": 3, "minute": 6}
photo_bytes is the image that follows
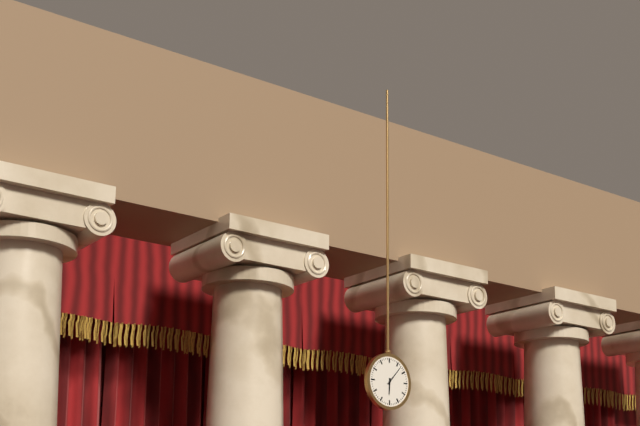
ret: {"hour": 6, "minute": 7}
